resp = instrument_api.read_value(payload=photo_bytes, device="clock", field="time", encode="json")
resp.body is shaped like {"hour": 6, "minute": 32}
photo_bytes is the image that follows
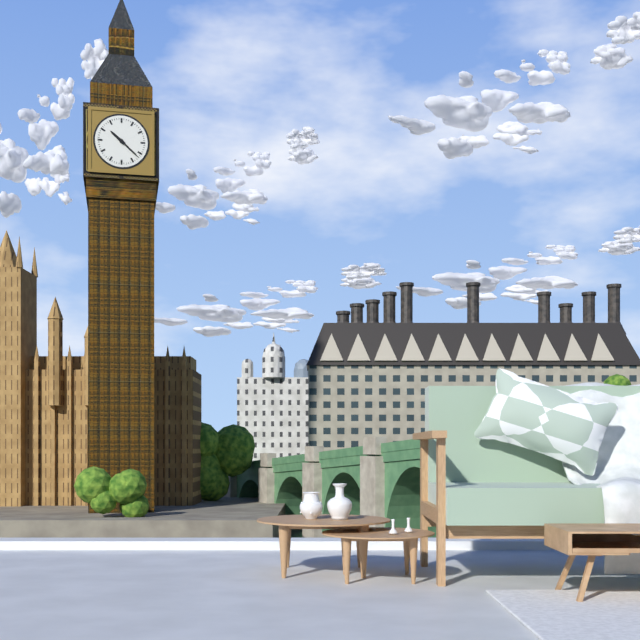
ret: {"hour": 10, "minute": 22}
